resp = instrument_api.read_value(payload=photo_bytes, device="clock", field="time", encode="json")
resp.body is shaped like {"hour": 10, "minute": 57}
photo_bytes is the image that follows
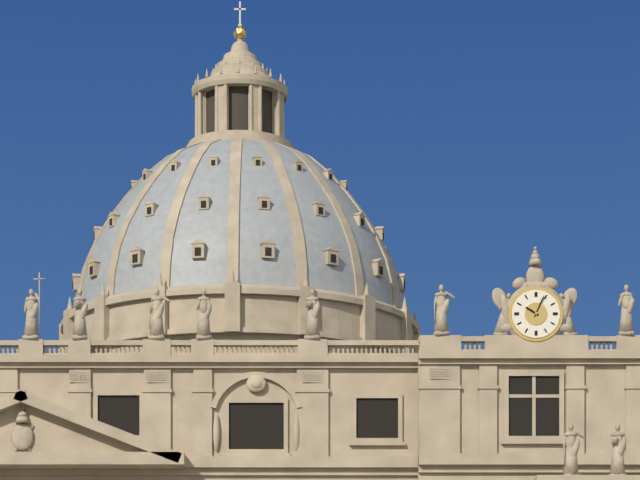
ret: {"hour": 10, "minute": 4}
